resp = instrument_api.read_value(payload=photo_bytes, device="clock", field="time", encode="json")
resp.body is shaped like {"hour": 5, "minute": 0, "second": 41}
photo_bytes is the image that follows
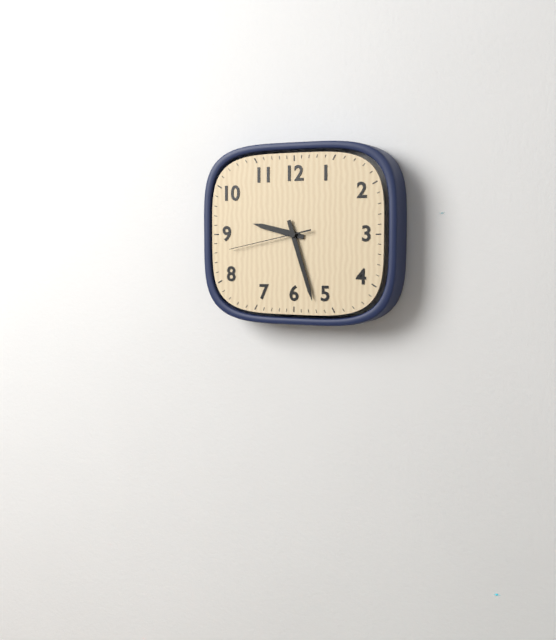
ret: {"hour": 9, "minute": 27, "second": 43}
